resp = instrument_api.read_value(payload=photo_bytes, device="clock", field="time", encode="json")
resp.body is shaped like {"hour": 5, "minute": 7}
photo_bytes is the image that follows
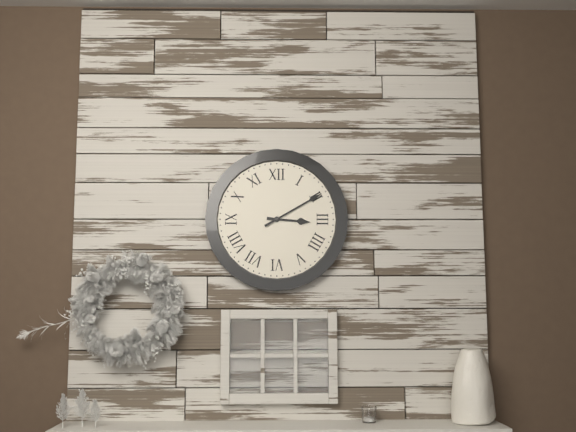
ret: {"hour": 3, "minute": 10}
